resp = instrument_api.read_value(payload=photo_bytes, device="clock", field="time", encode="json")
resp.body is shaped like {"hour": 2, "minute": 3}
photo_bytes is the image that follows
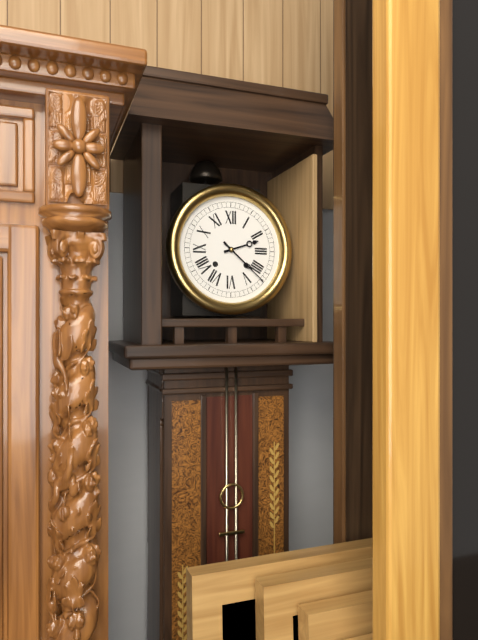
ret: {"hour": 2, "minute": 22}
